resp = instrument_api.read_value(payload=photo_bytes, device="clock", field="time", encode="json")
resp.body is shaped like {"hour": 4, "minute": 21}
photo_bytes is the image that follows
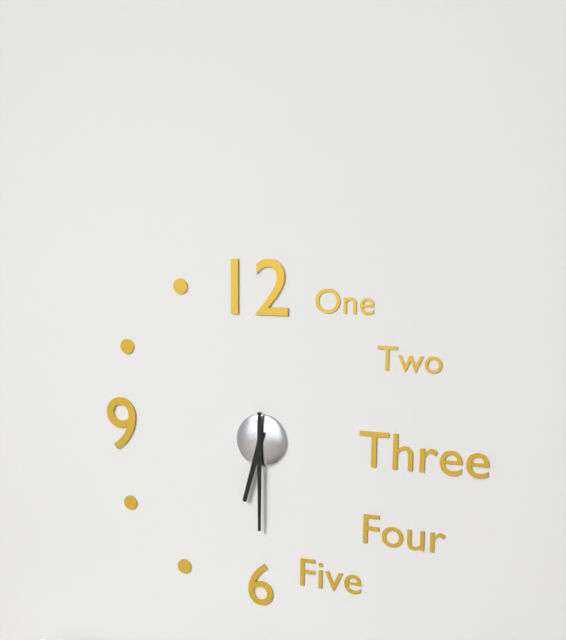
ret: {"hour": 6, "minute": 30}
